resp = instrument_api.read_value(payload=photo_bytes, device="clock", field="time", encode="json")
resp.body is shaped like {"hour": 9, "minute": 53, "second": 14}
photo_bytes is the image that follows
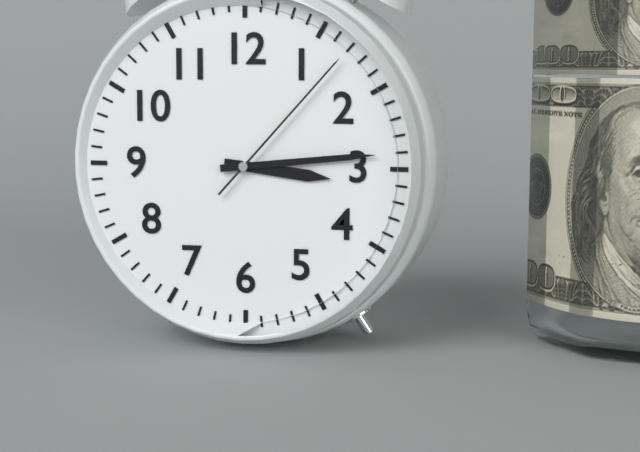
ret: {"hour": 3, "minute": 14, "second": 7}
